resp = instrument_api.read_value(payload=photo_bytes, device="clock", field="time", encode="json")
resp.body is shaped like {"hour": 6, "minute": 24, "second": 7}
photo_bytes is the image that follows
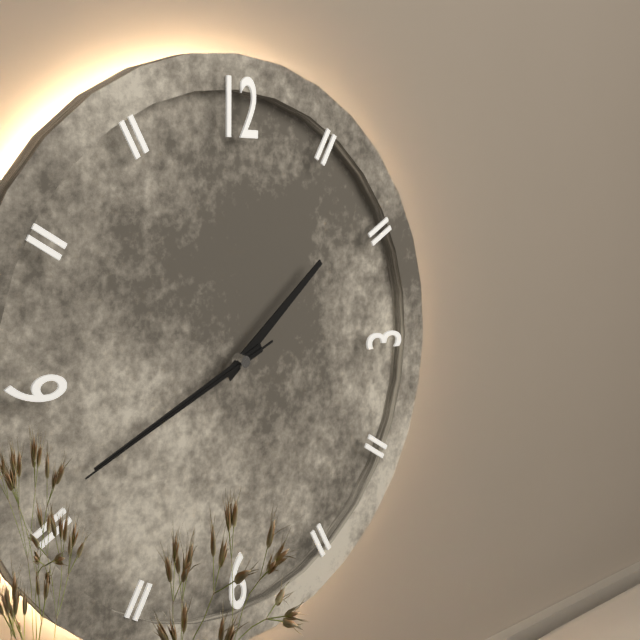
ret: {"hour": 1, "minute": 41, "second": 41}
